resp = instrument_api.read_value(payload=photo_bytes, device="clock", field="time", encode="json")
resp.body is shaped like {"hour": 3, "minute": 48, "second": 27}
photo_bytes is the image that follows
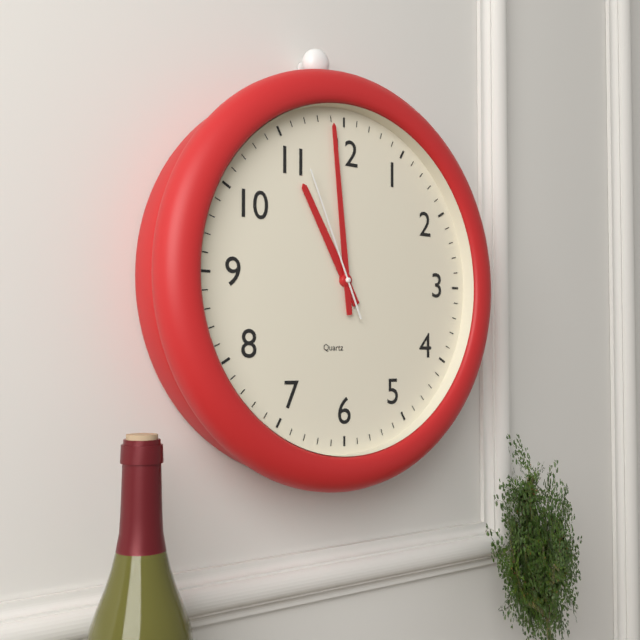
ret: {"hour": 10, "minute": 59, "second": 56}
